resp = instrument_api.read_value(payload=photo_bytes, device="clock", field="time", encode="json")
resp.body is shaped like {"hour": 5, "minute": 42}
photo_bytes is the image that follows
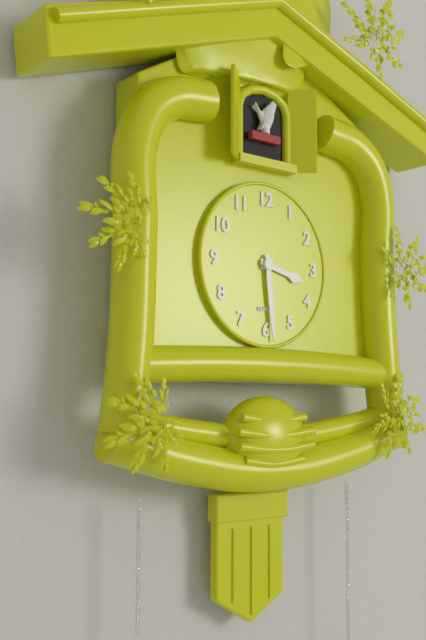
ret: {"hour": 3, "minute": 29}
